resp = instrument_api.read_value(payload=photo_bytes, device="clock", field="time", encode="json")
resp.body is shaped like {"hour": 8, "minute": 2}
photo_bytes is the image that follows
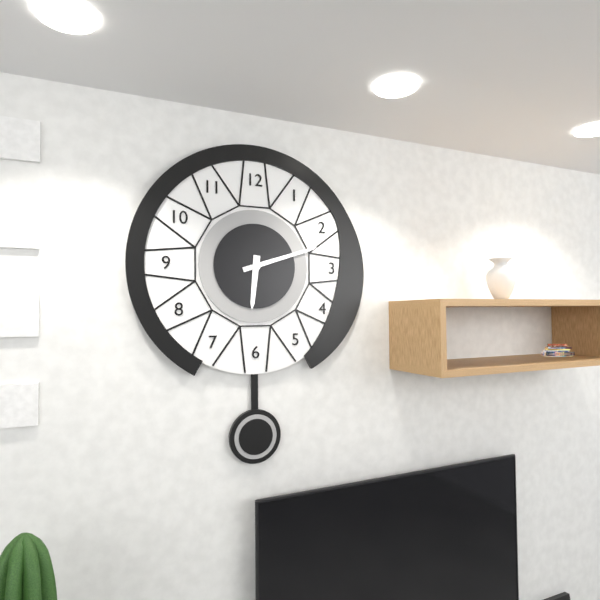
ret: {"hour": 6, "minute": 12}
